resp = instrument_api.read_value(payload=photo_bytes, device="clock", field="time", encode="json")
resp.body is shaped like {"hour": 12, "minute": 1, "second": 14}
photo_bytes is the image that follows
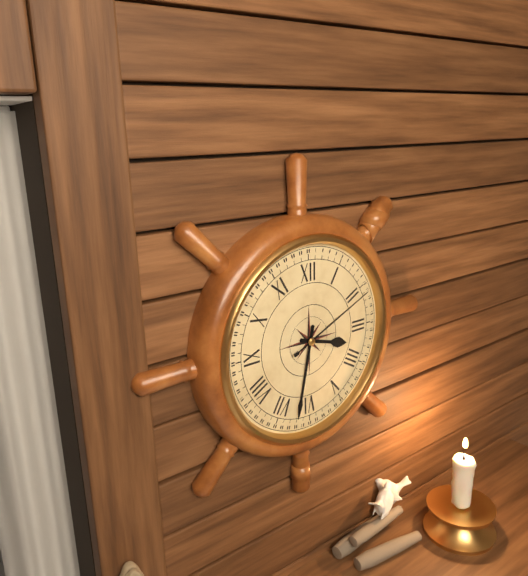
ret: {"hour": 3, "minute": 32, "second": 11}
